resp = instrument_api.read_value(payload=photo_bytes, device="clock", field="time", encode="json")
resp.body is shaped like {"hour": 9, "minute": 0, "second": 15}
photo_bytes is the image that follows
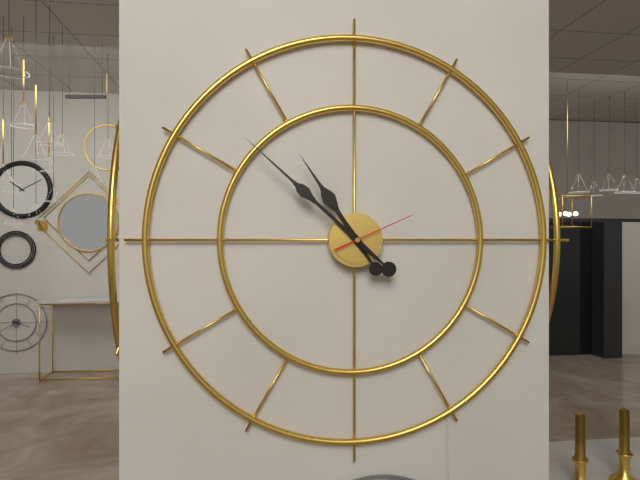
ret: {"hour": 10, "minute": 52, "second": 11}
